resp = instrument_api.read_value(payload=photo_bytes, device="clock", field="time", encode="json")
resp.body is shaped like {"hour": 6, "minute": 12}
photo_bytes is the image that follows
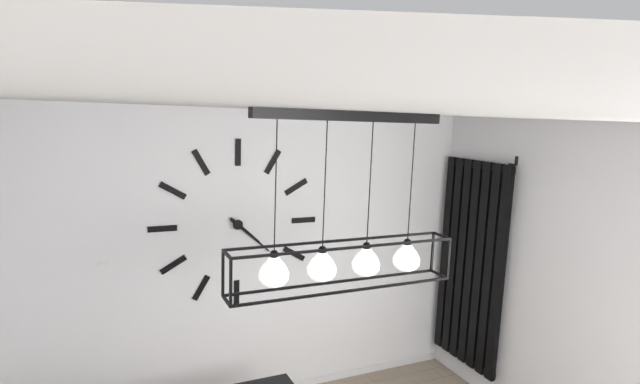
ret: {"hour": 4, "minute": 22}
